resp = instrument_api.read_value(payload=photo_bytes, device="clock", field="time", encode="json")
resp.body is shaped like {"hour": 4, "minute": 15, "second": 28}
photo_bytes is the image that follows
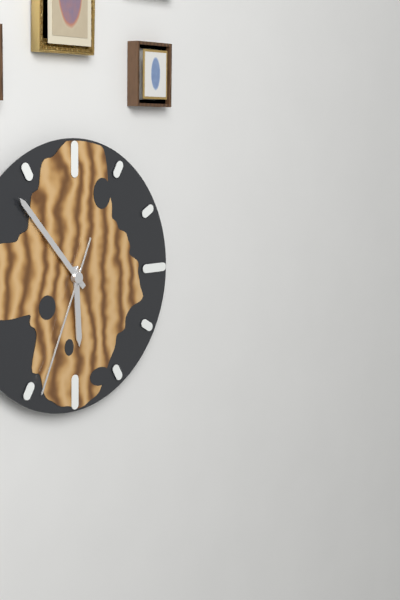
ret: {"hour": 5, "minute": 53, "second": 34}
